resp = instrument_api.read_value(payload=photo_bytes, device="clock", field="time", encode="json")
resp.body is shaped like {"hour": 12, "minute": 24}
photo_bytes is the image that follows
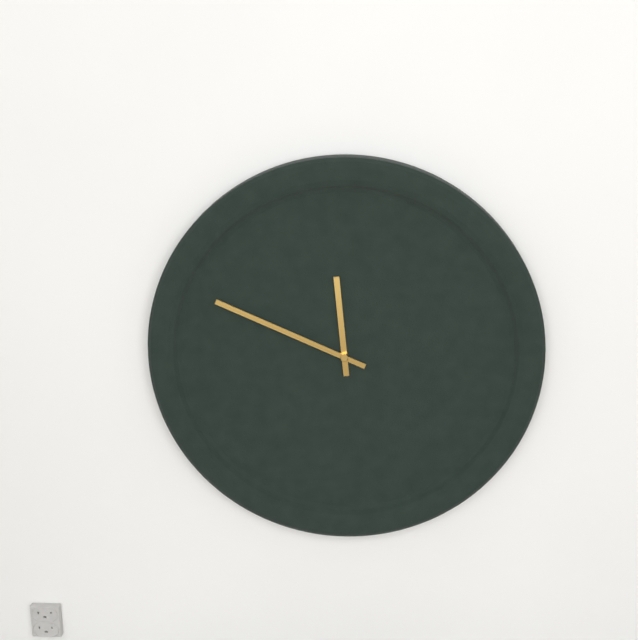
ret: {"hour": 11, "minute": 49}
